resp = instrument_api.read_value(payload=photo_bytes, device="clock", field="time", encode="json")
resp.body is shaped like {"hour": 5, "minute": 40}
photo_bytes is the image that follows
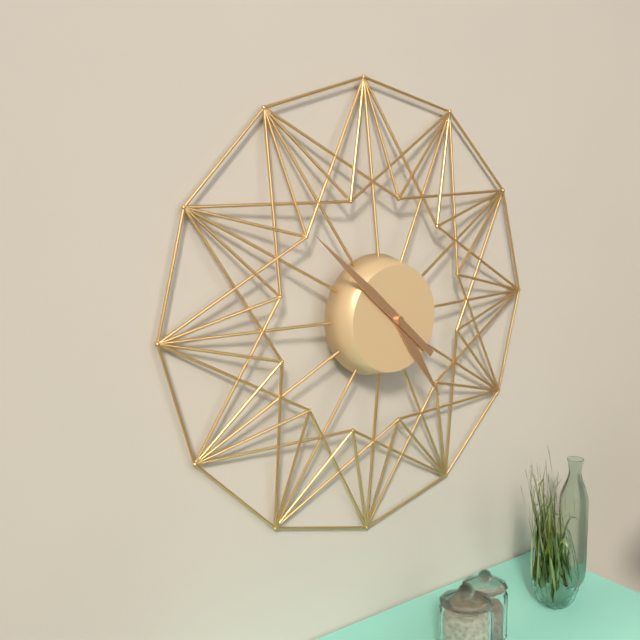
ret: {"hour": 4, "minute": 52}
